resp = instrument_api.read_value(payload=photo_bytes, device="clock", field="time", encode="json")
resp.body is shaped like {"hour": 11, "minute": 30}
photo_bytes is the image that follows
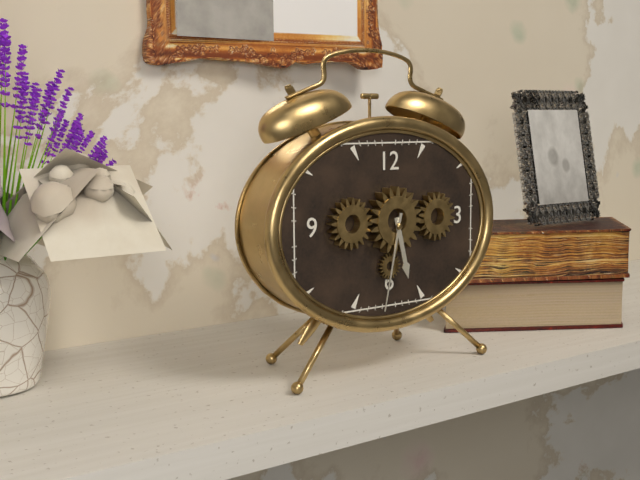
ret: {"hour": 5, "minute": 32}
